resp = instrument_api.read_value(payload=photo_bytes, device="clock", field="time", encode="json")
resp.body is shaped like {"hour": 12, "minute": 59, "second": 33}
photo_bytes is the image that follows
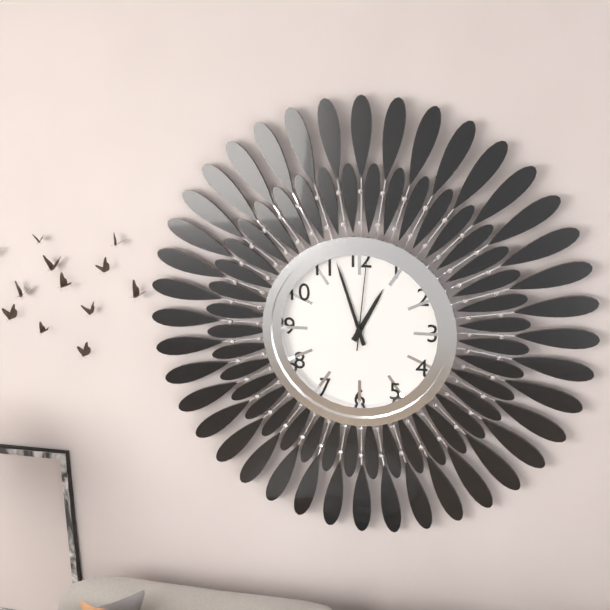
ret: {"hour": 12, "minute": 57, "second": 1}
